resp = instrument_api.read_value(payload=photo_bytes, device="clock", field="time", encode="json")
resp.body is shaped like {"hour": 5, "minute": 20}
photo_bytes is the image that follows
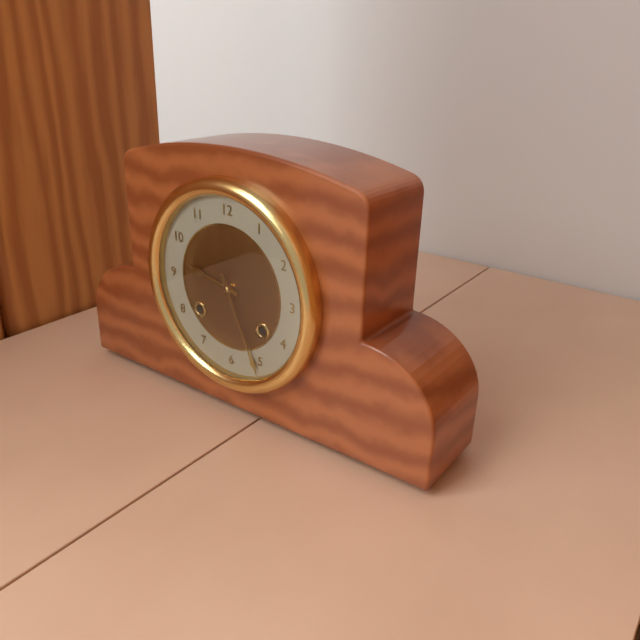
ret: {"hour": 9, "minute": 26}
